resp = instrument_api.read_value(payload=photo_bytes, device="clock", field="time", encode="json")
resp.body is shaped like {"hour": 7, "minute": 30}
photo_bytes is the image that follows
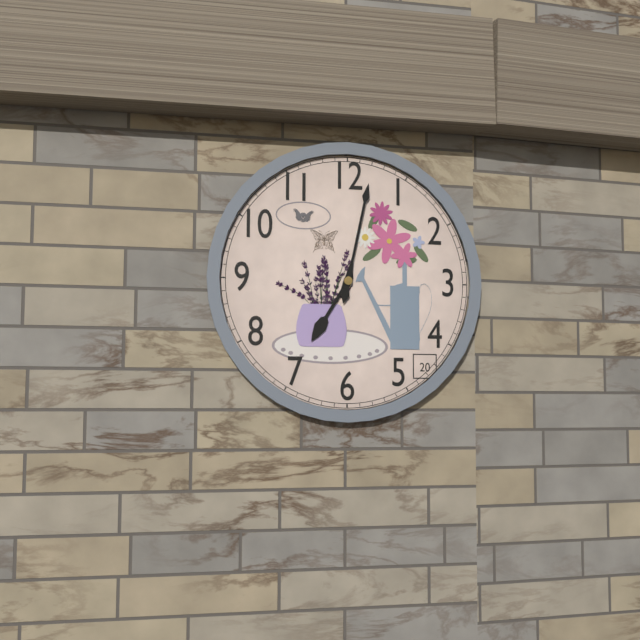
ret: {"hour": 7, "minute": 2}
